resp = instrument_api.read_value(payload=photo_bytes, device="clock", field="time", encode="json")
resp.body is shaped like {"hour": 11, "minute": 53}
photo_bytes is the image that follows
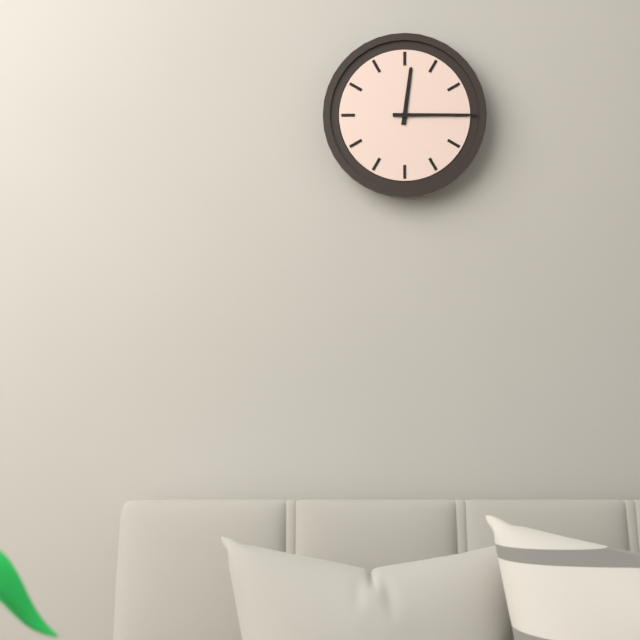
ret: {"hour": 12, "minute": 15}
